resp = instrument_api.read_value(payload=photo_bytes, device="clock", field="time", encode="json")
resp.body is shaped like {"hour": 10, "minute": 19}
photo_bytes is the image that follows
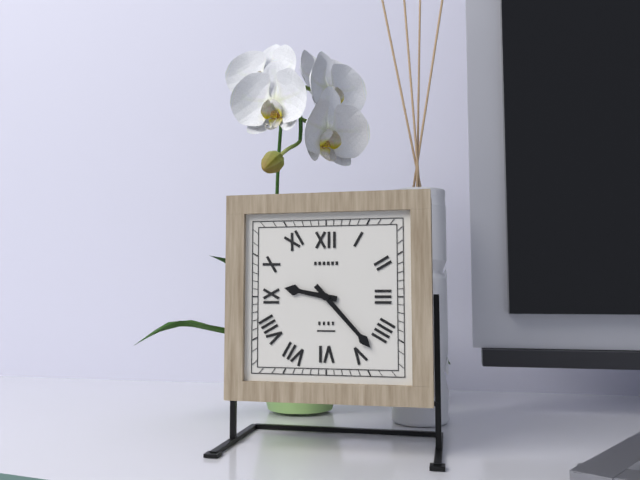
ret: {"hour": 9, "minute": 23}
